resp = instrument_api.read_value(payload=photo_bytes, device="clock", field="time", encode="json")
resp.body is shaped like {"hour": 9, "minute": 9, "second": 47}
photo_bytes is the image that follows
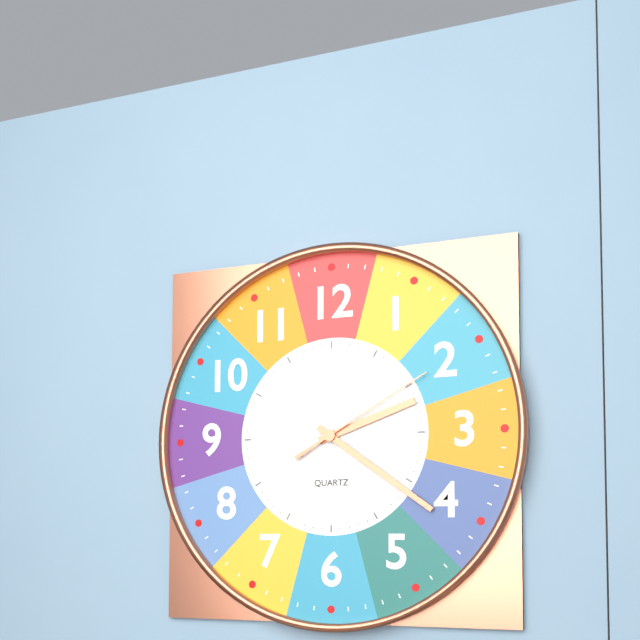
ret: {"hour": 2, "minute": 21, "second": 10}
